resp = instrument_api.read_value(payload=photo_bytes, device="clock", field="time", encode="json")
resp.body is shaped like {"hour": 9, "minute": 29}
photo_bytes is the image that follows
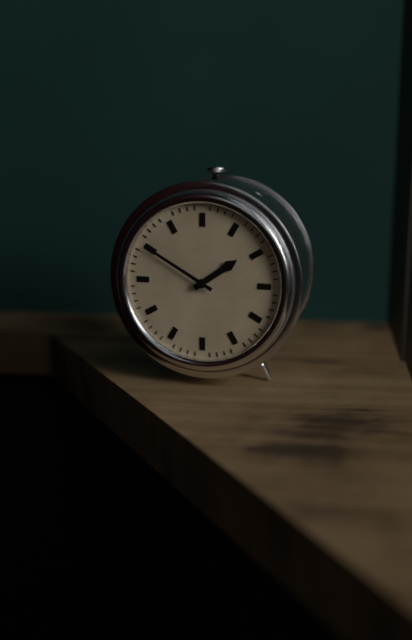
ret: {"hour": 1, "minute": 50}
